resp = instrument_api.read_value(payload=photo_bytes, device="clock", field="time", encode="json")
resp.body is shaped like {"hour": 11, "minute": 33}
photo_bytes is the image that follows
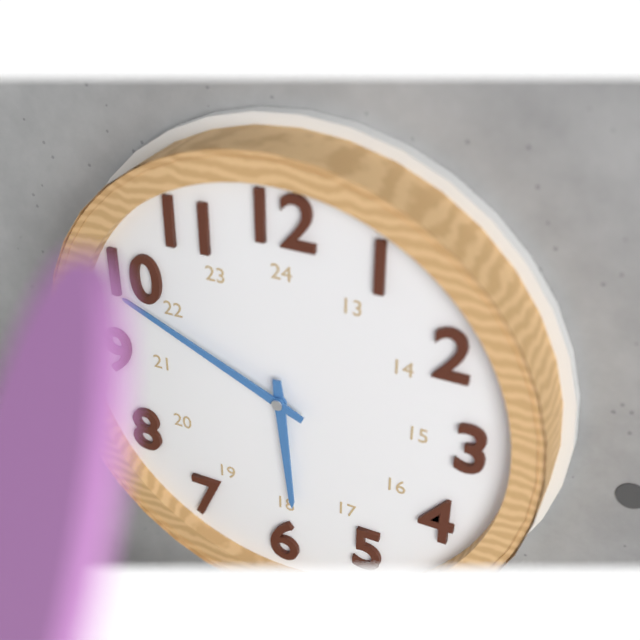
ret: {"hour": 5, "minute": 49}
